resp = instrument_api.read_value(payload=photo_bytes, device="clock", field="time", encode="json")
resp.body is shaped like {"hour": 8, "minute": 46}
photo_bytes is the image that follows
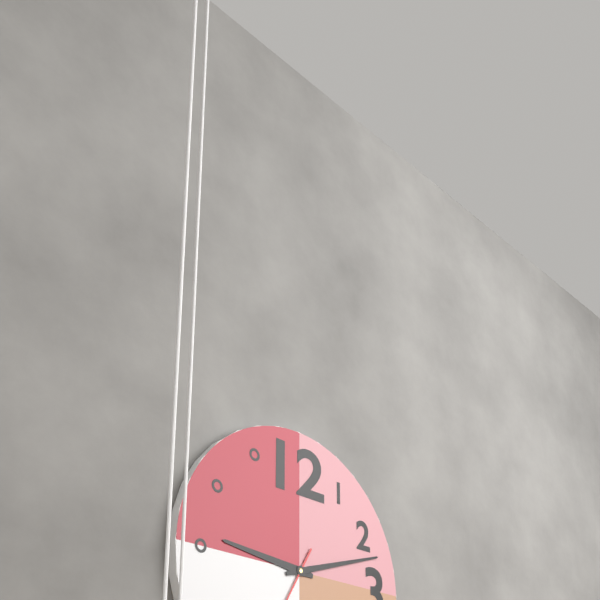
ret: {"hour": 9, "minute": 12}
